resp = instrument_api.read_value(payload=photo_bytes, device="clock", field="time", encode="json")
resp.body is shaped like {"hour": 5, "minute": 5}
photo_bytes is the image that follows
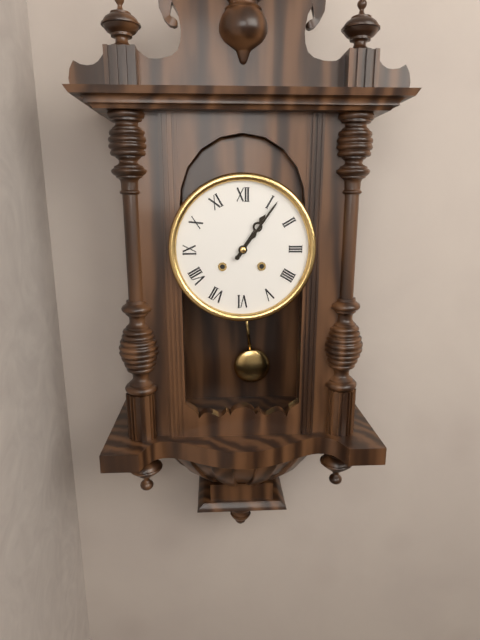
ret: {"hour": 1, "minute": 6}
